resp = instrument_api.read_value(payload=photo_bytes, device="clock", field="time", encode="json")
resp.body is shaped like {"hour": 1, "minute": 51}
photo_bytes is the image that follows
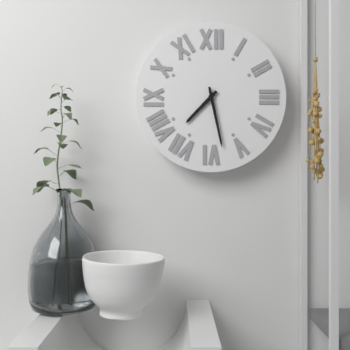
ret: {"hour": 7, "minute": 28}
